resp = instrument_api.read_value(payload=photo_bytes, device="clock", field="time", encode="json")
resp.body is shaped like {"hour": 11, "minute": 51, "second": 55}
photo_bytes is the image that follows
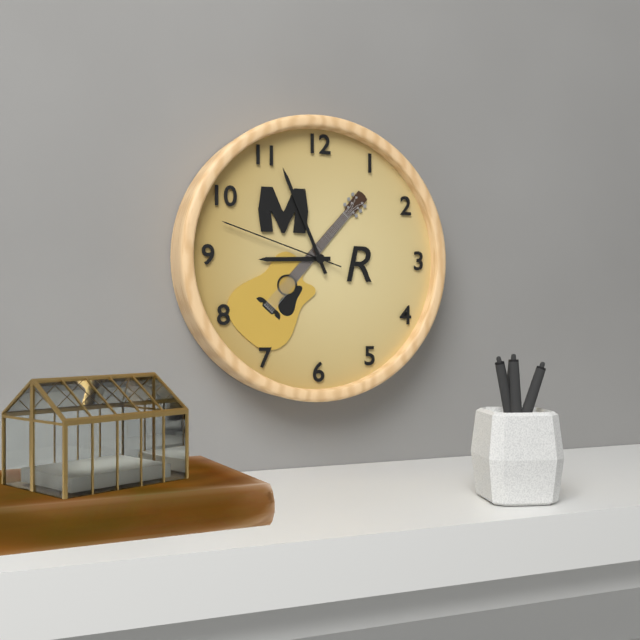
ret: {"hour": 8, "minute": 56, "second": 48}
